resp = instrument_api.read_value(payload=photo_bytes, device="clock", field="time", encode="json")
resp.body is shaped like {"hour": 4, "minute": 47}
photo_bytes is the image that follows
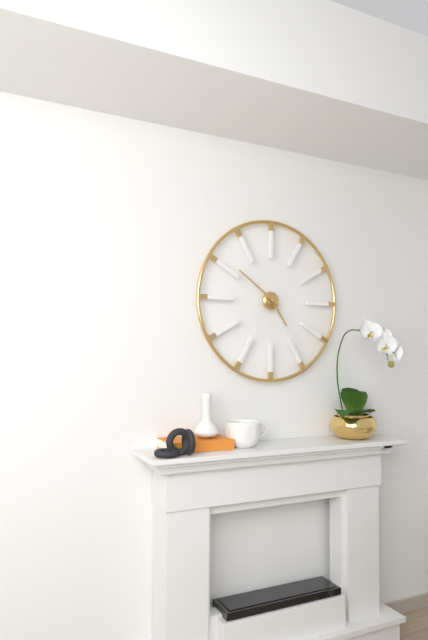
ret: {"hour": 4, "minute": 51}
